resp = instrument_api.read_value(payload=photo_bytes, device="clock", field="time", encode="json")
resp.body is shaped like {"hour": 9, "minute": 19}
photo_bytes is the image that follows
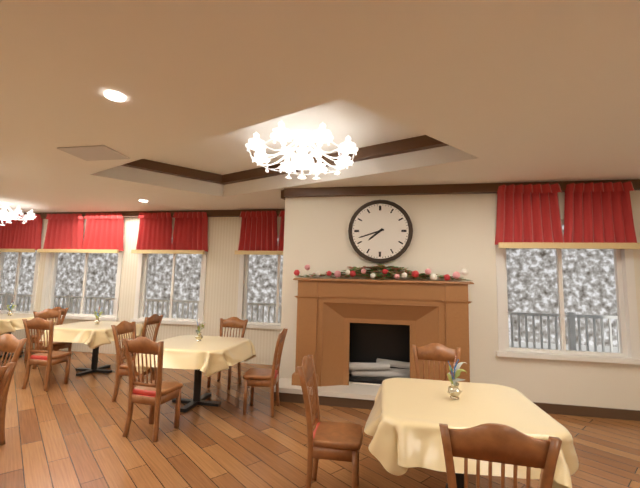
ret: {"hour": 7, "minute": 42}
